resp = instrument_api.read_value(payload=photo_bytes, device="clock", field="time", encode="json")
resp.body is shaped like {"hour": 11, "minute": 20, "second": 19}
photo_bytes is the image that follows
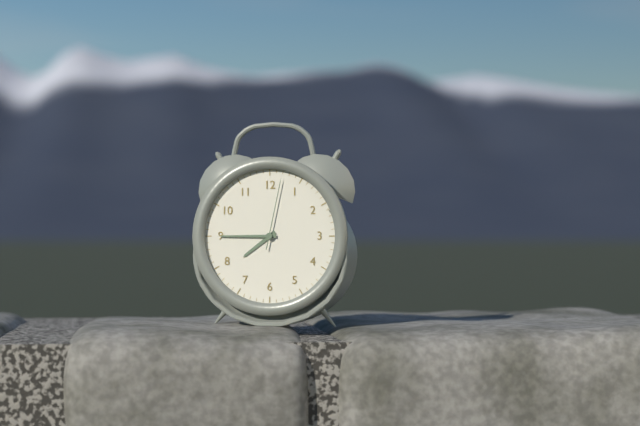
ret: {"hour": 7, "minute": 45, "second": 2}
